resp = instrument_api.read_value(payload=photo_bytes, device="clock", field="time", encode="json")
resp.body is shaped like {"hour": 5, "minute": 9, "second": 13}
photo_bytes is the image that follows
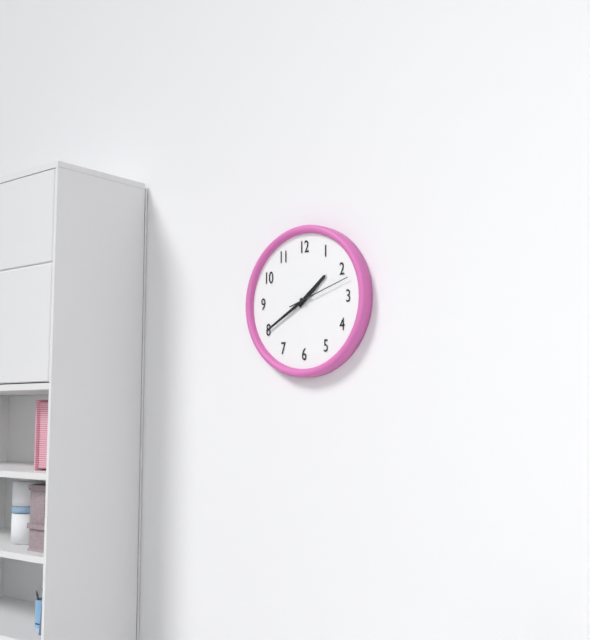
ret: {"hour": 1, "minute": 40, "second": 12}
